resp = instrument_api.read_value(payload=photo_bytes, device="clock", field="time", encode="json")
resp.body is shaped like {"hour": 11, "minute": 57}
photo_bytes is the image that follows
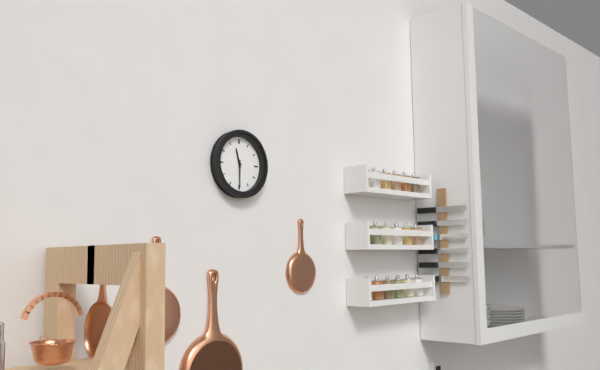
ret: {"hour": 11, "minute": 30}
